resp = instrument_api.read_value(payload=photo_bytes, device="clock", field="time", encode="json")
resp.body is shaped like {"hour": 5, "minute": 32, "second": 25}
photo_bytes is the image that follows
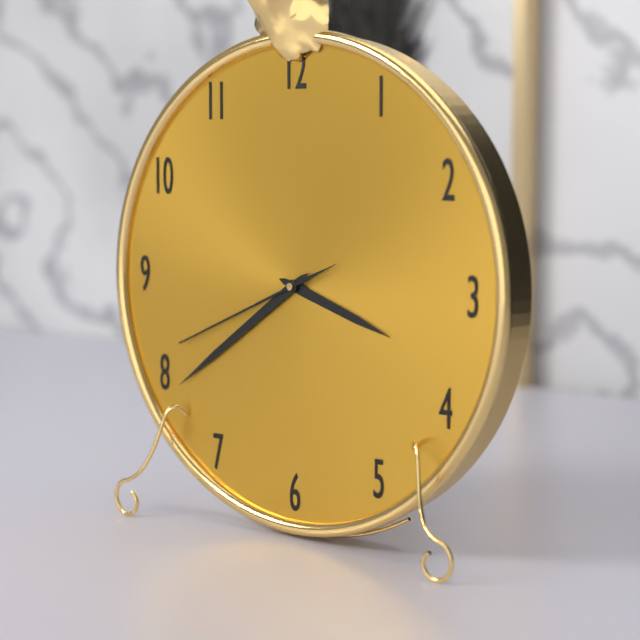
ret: {"hour": 3, "minute": 39, "second": 41}
